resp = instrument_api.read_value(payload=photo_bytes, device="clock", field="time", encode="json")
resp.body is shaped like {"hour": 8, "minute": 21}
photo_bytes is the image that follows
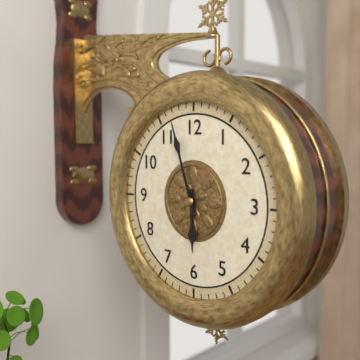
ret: {"hour": 5, "minute": 57}
